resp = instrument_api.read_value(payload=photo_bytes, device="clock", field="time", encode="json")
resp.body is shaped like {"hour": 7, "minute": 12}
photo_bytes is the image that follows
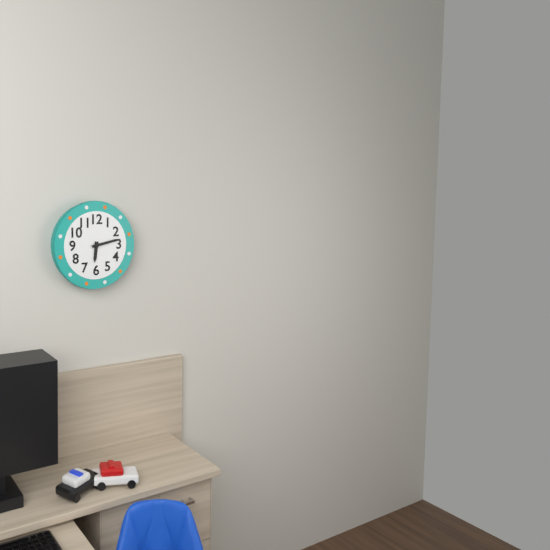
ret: {"hour": 6, "minute": 13}
